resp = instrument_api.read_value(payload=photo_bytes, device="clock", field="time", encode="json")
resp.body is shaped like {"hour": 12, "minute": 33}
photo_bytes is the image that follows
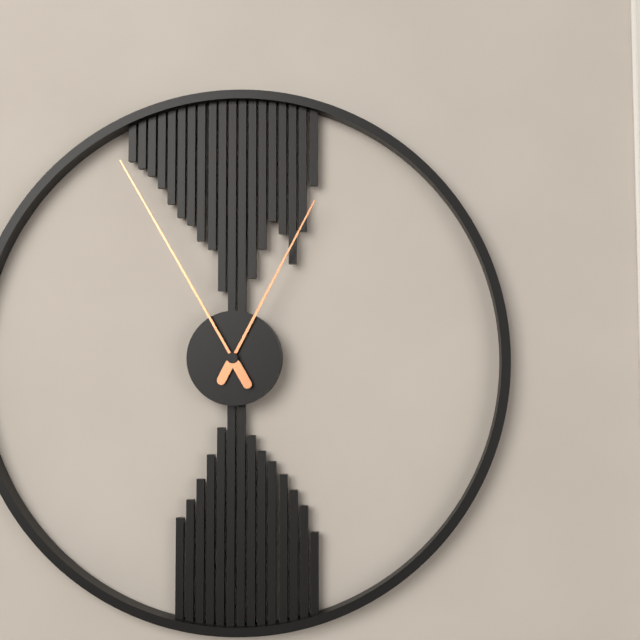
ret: {"hour": 12, "minute": 55}
